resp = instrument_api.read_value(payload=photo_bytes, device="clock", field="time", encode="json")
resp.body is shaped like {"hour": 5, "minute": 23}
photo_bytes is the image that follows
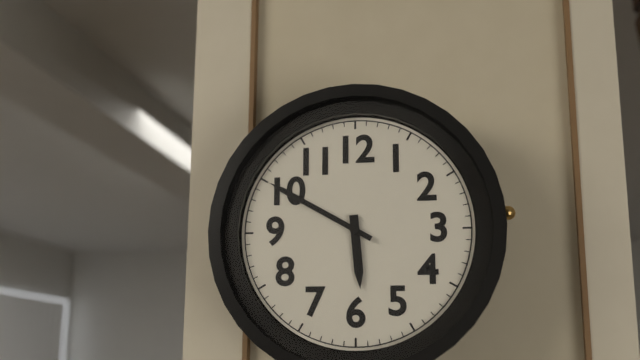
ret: {"hour": 5, "minute": 50}
